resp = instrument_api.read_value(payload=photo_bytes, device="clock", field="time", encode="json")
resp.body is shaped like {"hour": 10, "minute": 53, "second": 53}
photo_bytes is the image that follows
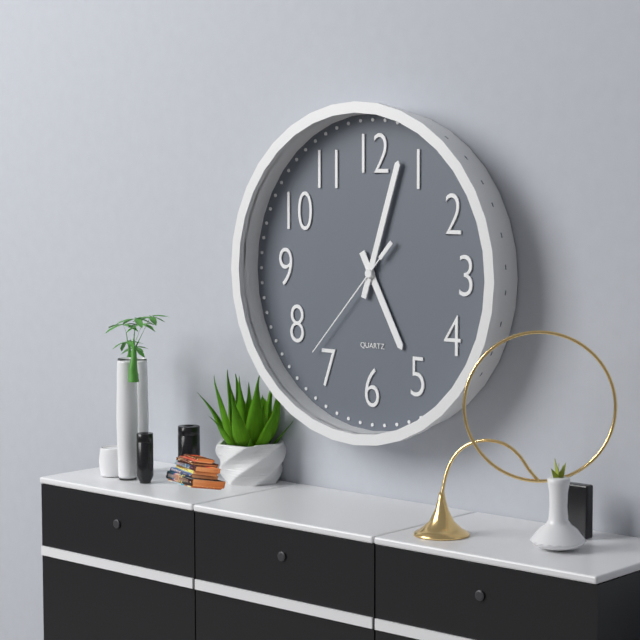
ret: {"hour": 5, "minute": 3, "second": 37}
